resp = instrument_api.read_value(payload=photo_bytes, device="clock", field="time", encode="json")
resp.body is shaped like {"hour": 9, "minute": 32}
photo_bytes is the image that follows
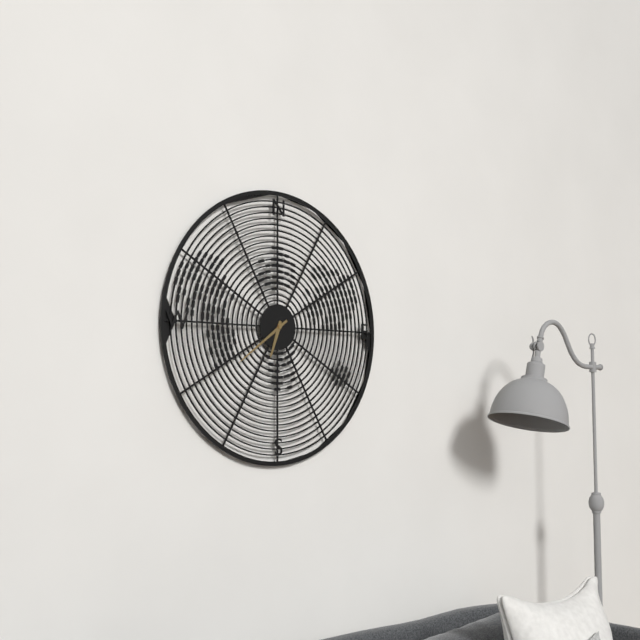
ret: {"hour": 6, "minute": 39}
